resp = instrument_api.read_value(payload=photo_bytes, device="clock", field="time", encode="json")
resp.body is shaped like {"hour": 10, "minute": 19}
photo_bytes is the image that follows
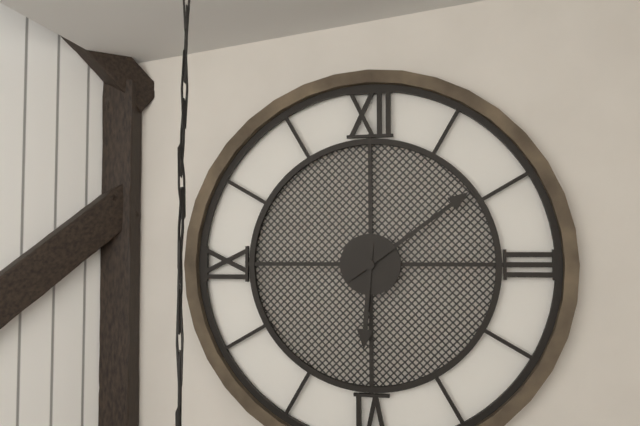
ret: {"hour": 6, "minute": 9}
